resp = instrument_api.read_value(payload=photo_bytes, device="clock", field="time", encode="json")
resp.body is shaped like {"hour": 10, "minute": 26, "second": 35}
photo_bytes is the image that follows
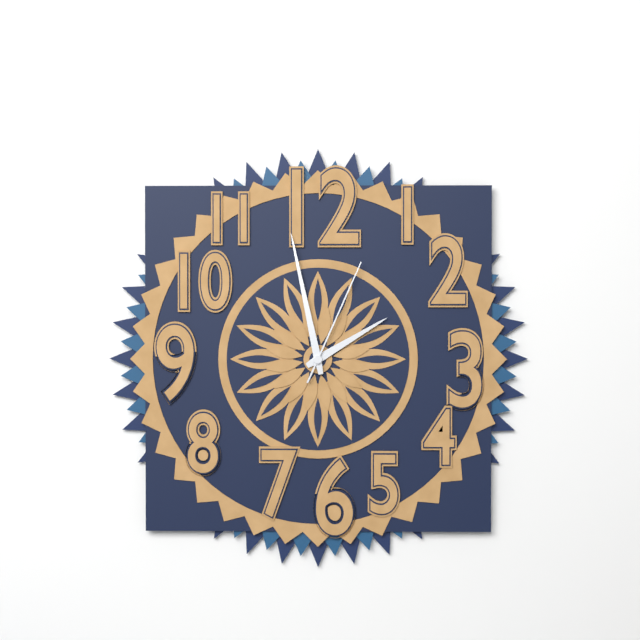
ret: {"hour": 1, "minute": 58, "second": 4}
